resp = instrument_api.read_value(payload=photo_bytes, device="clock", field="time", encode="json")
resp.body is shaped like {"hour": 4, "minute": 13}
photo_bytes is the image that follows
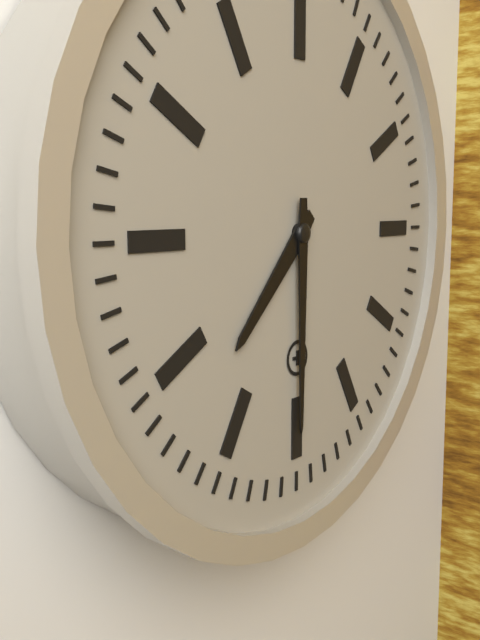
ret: {"hour": 7, "minute": 30}
